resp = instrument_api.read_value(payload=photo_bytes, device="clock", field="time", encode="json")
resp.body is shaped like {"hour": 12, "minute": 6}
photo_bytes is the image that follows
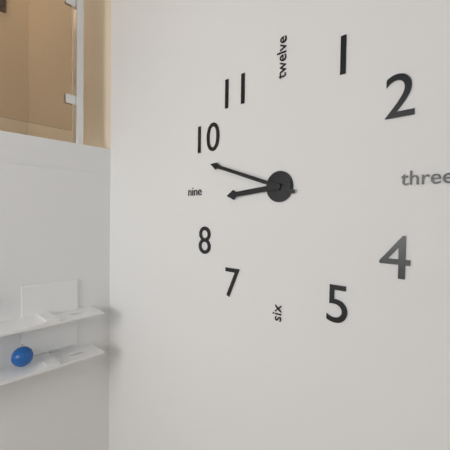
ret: {"hour": 8, "minute": 48}
